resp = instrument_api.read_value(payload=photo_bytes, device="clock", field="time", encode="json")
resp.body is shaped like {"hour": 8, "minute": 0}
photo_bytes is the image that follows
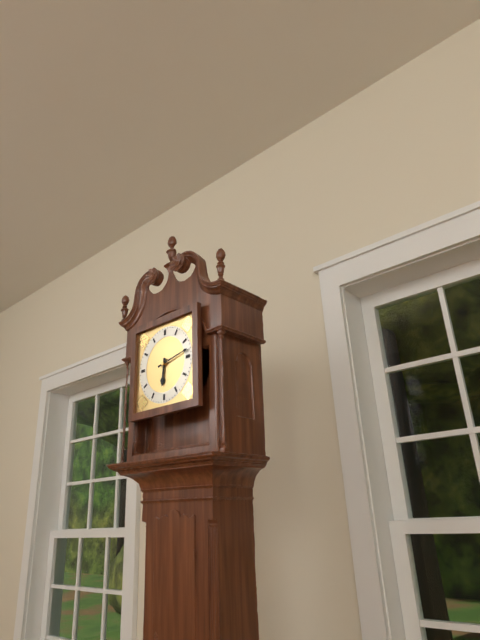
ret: {"hour": 6, "minute": 13}
